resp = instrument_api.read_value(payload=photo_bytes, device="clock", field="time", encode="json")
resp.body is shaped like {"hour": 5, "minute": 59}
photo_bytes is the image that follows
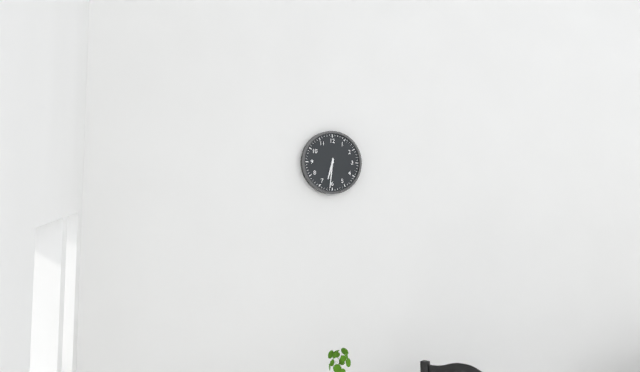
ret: {"hour": 6, "minute": 31}
